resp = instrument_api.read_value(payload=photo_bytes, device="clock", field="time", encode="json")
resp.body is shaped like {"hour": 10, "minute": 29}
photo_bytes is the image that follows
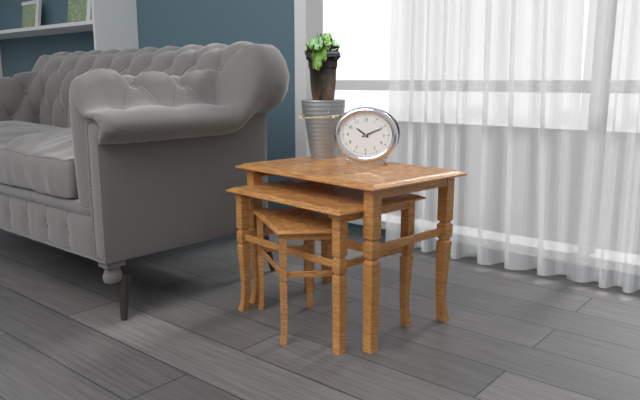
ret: {"hour": 10, "minute": 11}
